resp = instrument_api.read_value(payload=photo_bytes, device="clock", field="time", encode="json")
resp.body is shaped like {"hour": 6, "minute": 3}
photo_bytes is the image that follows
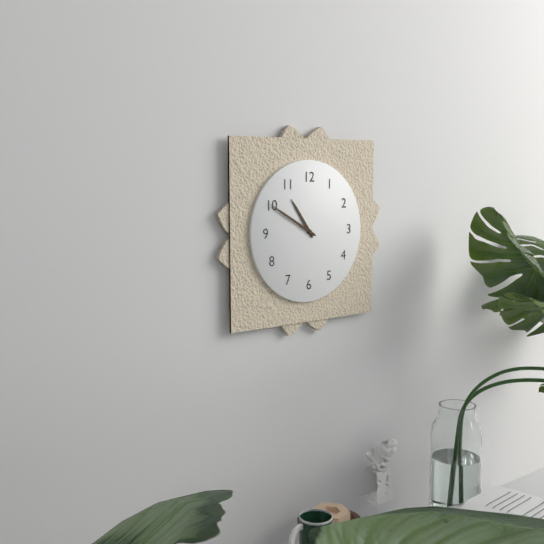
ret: {"hour": 10, "minute": 50}
